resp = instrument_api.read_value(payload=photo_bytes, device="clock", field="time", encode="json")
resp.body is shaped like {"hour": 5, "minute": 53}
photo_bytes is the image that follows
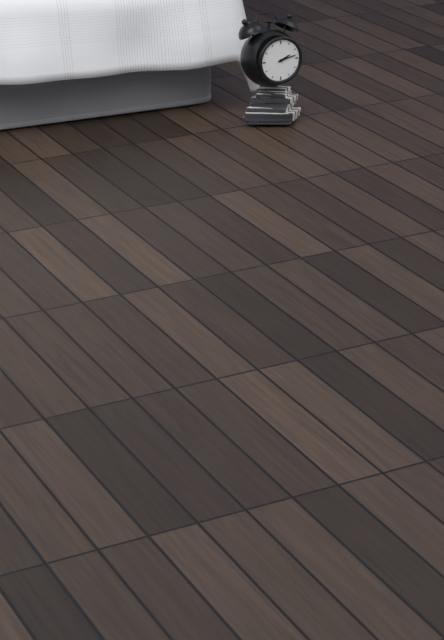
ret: {"hour": 2, "minute": 13}
